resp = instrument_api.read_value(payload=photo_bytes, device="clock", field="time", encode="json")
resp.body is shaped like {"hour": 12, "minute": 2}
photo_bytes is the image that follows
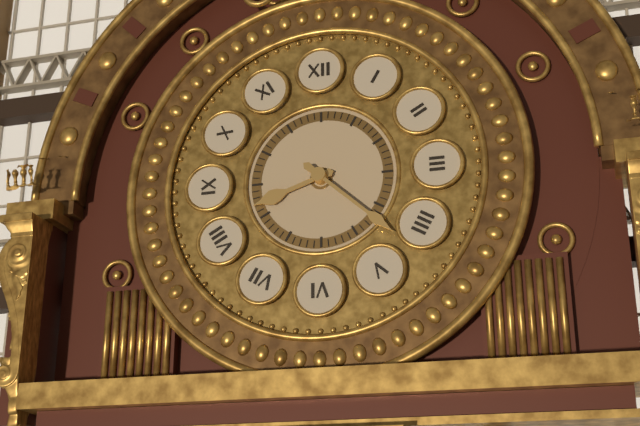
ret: {"hour": 8, "minute": 22}
